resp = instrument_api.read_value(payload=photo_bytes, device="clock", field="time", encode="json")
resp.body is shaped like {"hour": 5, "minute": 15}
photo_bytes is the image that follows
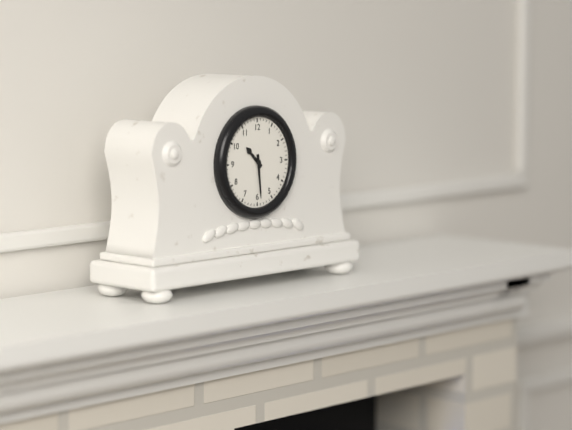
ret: {"hour": 10, "minute": 29}
